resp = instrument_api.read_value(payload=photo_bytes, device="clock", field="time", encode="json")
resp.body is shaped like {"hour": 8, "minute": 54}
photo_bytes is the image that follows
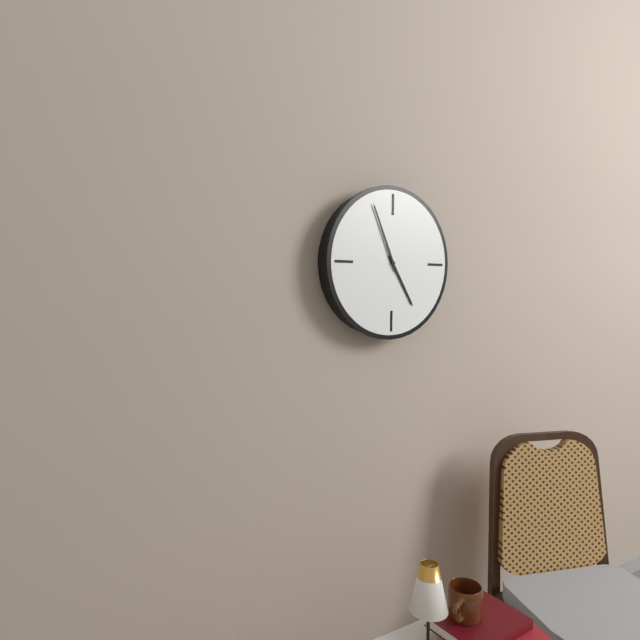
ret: {"hour": 4, "minute": 56}
